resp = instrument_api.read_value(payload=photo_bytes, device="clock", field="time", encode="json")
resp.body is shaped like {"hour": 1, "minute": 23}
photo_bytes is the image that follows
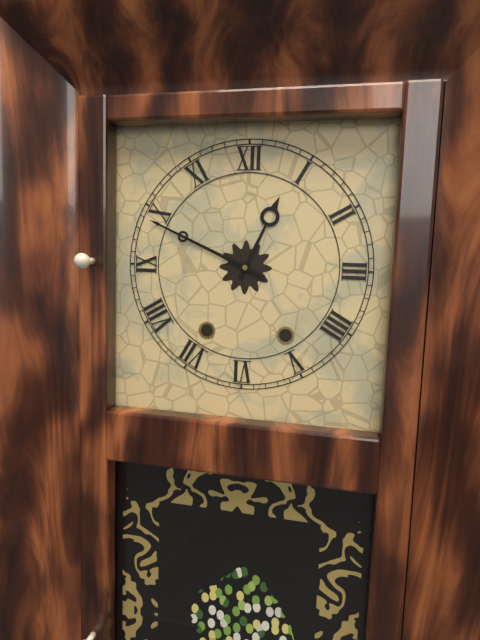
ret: {"hour": 12, "minute": 49}
